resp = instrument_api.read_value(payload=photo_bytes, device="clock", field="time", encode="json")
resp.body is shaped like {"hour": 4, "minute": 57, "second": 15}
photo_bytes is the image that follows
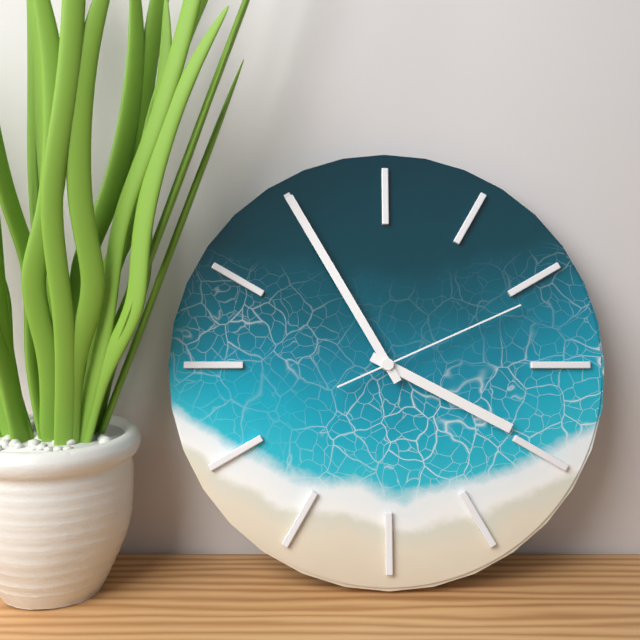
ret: {"hour": 3, "minute": 55, "second": 11}
